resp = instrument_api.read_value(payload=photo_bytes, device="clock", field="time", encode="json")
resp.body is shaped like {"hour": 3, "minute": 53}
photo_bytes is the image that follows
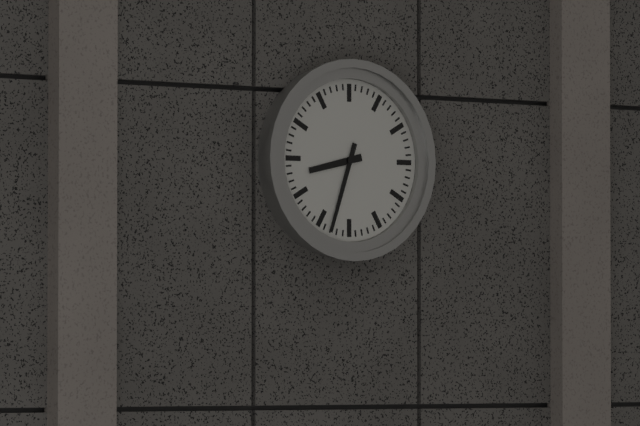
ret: {"hour": 8, "minute": 33}
